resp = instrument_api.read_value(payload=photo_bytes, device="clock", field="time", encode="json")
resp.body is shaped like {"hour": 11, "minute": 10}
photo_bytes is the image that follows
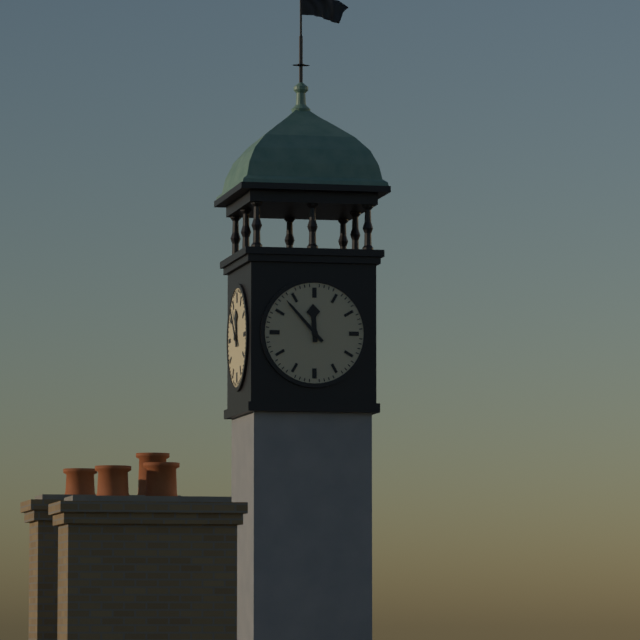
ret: {"hour": 11, "minute": 53}
